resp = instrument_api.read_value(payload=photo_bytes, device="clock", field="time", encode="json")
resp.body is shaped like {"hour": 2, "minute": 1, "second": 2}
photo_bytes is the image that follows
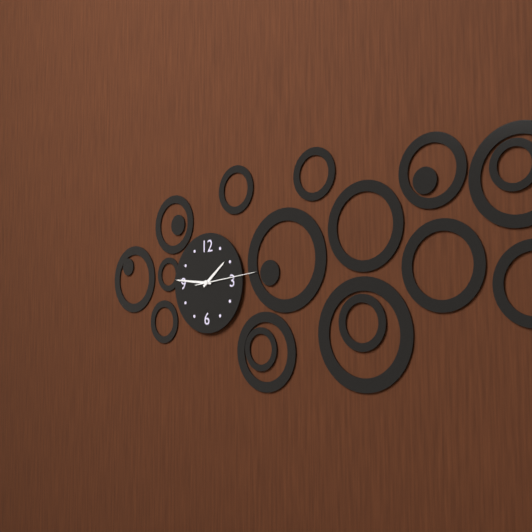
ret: {"hour": 1, "minute": 46, "second": 14}
